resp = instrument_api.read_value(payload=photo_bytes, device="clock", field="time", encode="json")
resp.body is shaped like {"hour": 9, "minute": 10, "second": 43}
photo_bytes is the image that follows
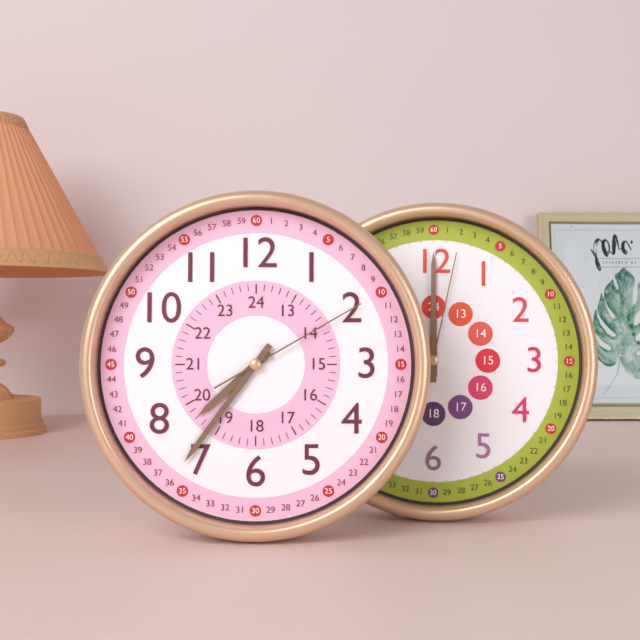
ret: {"hour": 7, "minute": 36, "second": 10}
